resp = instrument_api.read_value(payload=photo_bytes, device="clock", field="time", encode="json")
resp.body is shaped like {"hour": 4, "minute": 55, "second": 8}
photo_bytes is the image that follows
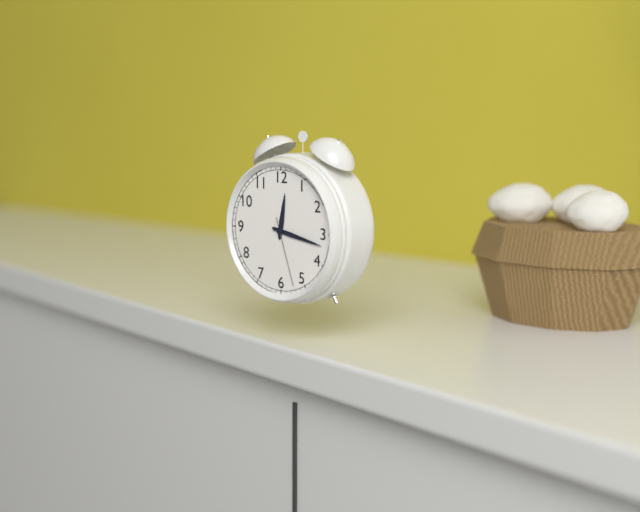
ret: {"hour": 12, "minute": 17, "second": 27}
